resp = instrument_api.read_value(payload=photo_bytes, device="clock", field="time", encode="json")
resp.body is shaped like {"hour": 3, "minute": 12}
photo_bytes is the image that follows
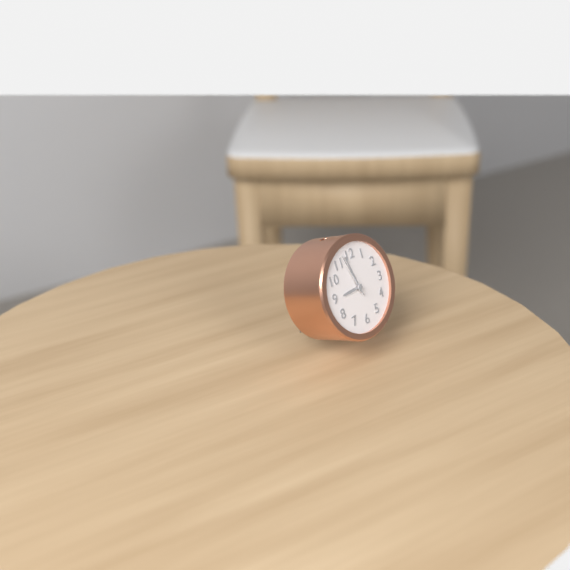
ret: {"hour": 8, "minute": 58}
